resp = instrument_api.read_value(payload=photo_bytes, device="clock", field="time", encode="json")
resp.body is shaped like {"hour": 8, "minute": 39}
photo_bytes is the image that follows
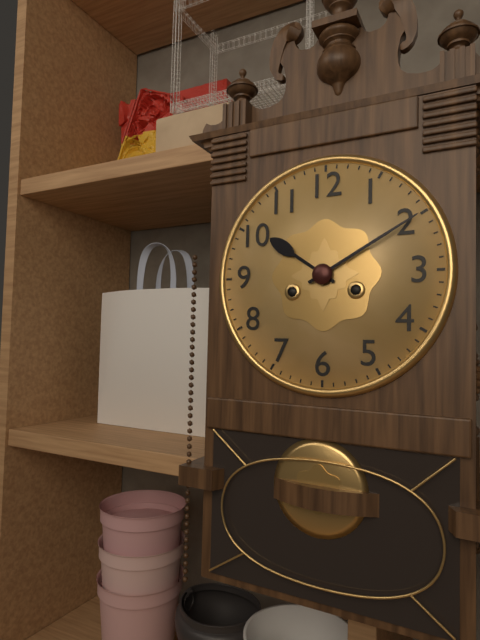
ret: {"hour": 10, "minute": 10}
